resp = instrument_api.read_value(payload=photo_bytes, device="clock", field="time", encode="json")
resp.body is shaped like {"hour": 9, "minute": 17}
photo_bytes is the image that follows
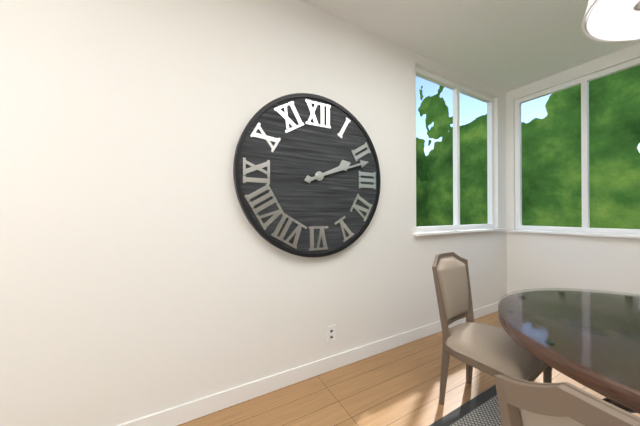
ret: {"hour": 2, "minute": 12}
